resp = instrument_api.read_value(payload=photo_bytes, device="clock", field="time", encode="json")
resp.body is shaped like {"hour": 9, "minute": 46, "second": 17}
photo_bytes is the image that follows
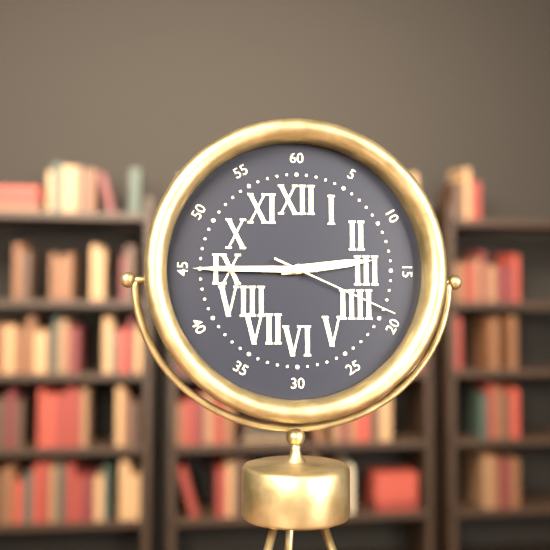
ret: {"hour": 2, "minute": 45, "second": 19}
